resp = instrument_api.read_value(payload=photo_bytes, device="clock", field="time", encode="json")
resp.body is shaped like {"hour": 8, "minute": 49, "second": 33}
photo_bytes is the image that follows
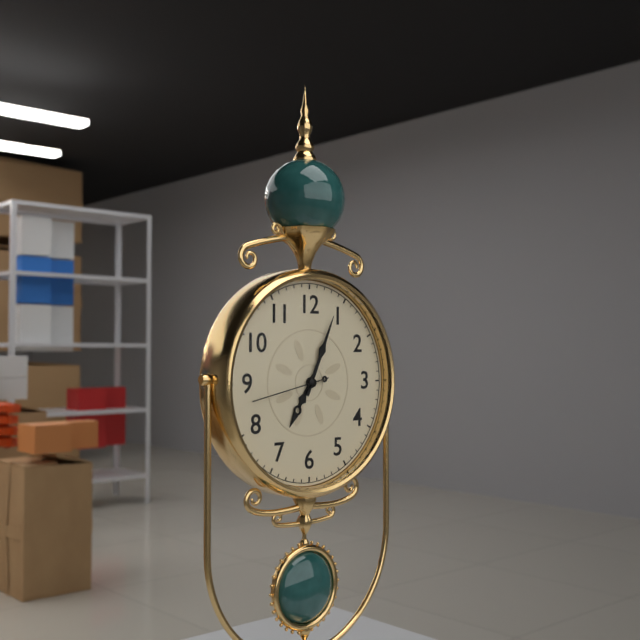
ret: {"hour": 7, "minute": 4, "second": 43}
